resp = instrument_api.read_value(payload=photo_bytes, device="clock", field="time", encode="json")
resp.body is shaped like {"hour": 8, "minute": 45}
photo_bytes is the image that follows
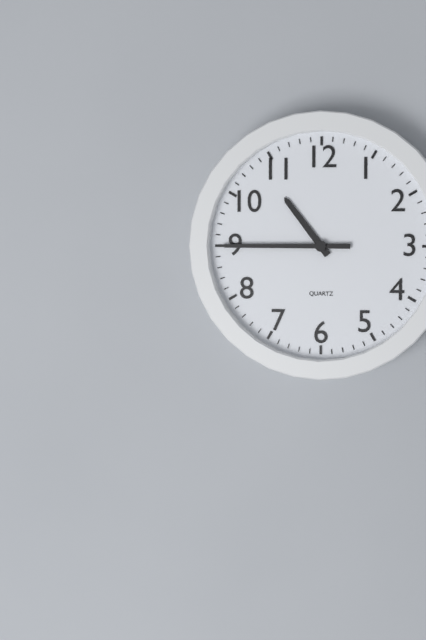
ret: {"hour": 10, "minute": 45}
